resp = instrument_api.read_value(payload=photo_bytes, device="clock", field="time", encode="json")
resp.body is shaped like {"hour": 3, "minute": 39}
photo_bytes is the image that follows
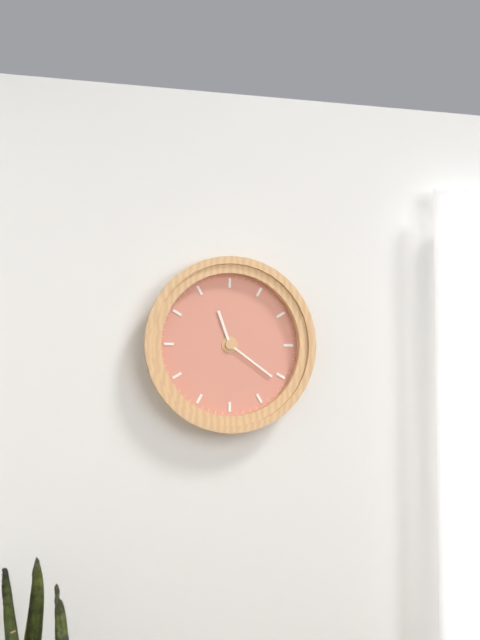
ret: {"hour": 11, "minute": 21}
